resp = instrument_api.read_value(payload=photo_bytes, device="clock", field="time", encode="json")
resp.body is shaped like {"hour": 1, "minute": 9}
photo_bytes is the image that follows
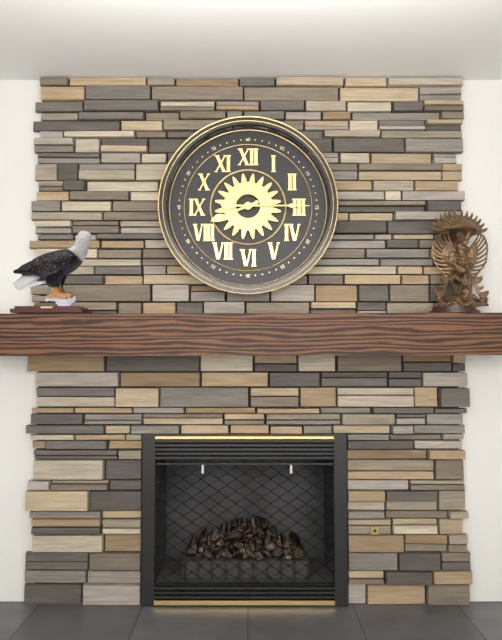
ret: {"hour": 8, "minute": 15}
